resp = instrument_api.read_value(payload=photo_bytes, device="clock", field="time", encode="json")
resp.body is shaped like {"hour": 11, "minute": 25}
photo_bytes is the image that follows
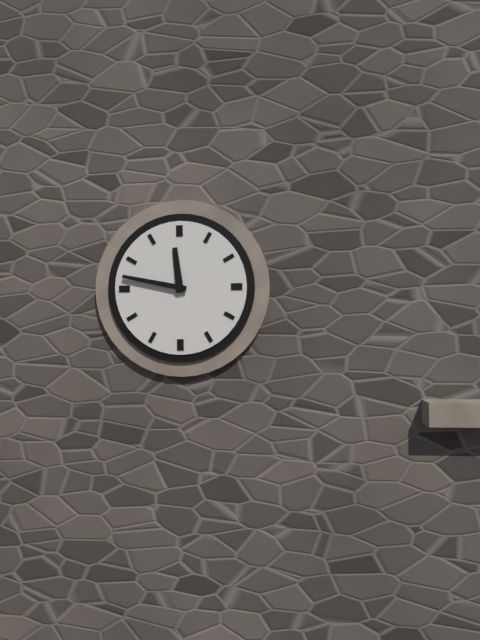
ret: {"hour": 11, "minute": 47}
